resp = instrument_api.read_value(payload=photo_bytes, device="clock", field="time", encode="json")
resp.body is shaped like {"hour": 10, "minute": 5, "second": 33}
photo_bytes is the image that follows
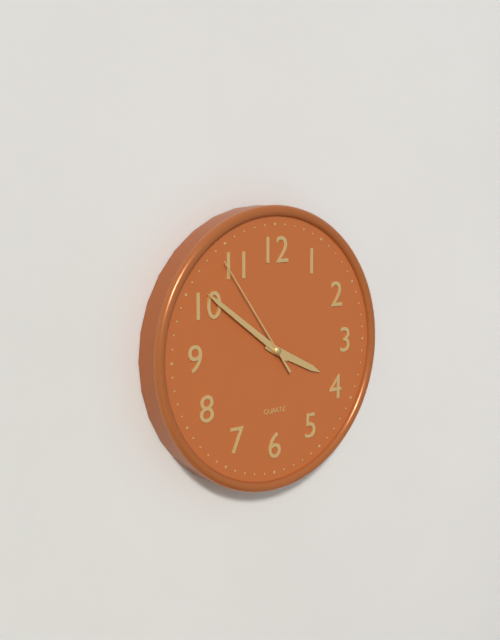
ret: {"hour": 3, "minute": 51, "second": 54}
